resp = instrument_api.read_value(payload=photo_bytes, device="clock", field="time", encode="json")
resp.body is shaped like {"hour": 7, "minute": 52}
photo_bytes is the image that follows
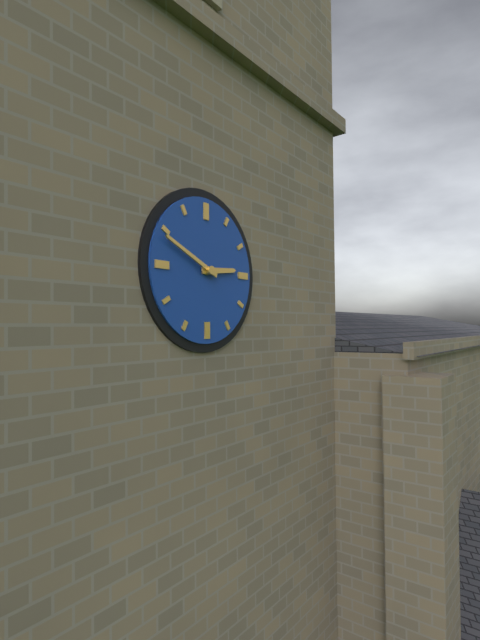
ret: {"hour": 2, "minute": 49}
